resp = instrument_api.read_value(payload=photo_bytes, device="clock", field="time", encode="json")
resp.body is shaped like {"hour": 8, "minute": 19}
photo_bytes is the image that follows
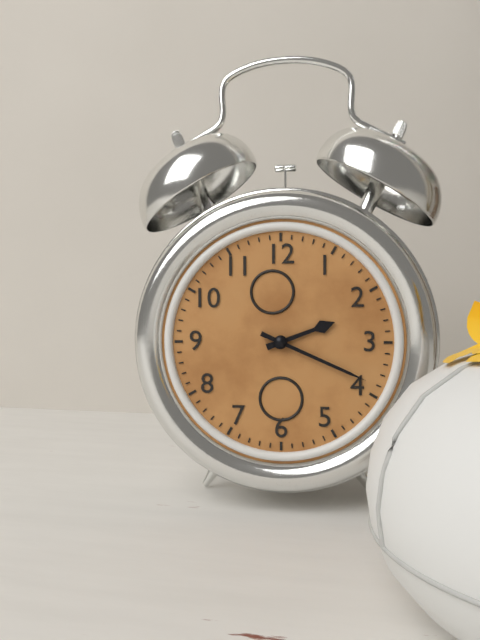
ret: {"hour": 2, "minute": 19}
